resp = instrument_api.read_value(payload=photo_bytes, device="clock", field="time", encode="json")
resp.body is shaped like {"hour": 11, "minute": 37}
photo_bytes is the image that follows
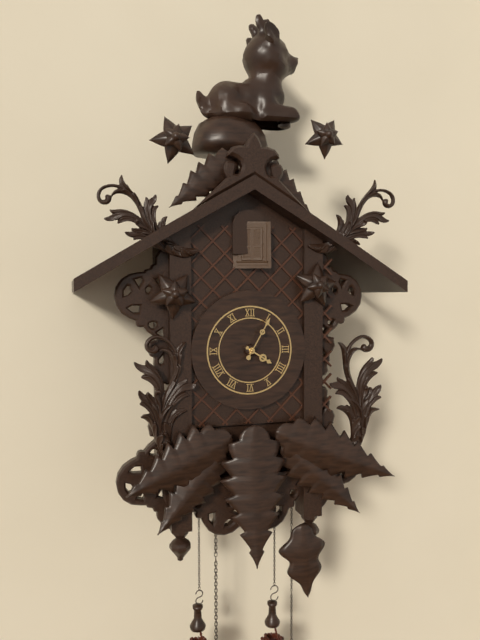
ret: {"hour": 4, "minute": 5}
